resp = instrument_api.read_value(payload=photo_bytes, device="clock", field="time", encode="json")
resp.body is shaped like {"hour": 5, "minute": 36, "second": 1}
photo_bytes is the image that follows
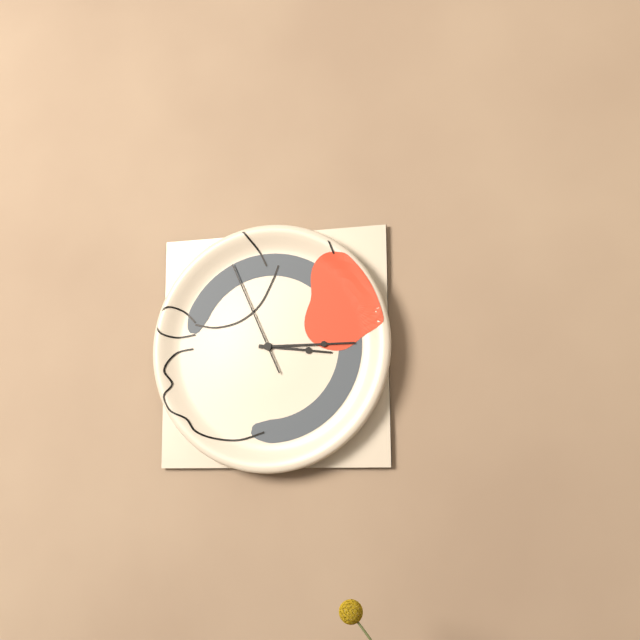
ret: {"hour": 3, "minute": 15, "second": 56}
